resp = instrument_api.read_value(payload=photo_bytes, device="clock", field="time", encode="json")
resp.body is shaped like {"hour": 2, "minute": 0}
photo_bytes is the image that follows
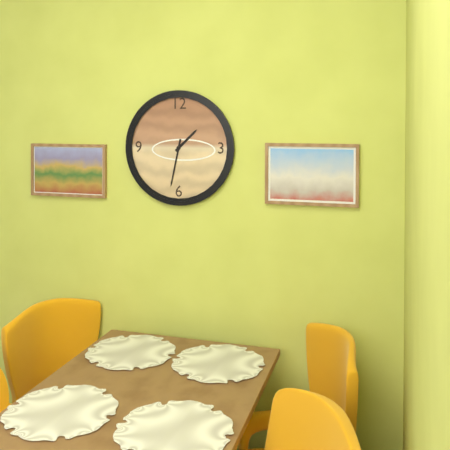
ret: {"hour": 1, "minute": 32}
